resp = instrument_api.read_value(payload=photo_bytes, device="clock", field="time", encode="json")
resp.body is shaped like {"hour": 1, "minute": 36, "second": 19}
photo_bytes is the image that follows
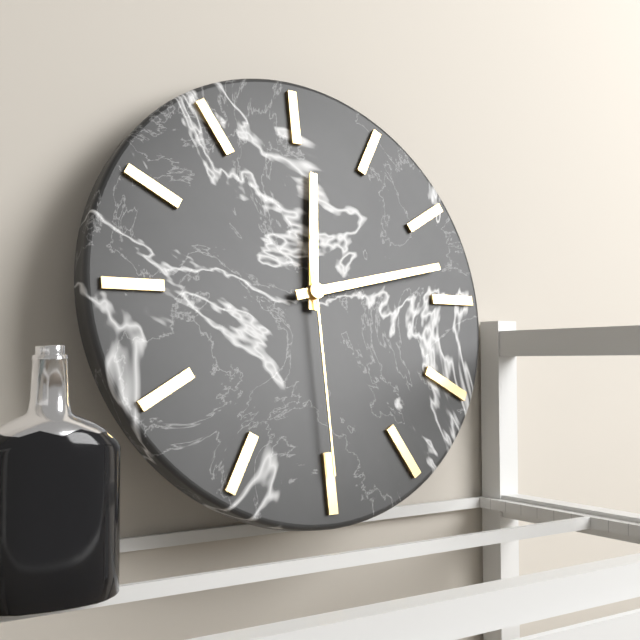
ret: {"hour": 12, "minute": 13, "second": 30}
